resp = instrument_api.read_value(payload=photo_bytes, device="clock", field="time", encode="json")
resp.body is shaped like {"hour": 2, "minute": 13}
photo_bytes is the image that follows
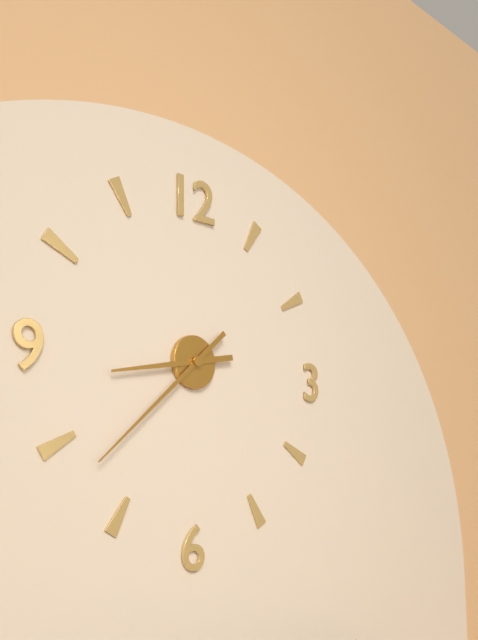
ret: {"hour": 8, "minute": 38}
